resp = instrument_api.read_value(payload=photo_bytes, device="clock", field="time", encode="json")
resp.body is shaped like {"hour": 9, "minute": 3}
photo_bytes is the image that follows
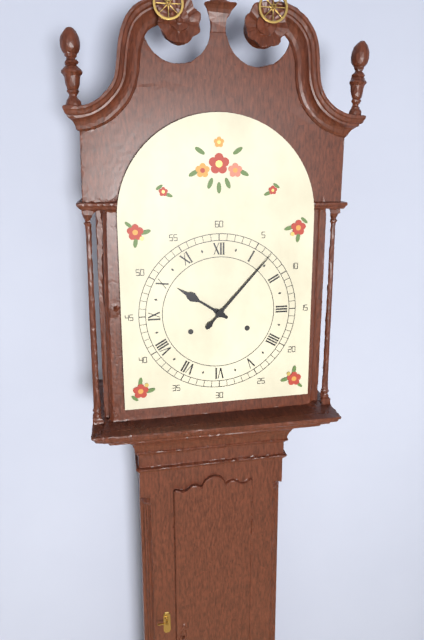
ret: {"hour": 10, "minute": 7}
